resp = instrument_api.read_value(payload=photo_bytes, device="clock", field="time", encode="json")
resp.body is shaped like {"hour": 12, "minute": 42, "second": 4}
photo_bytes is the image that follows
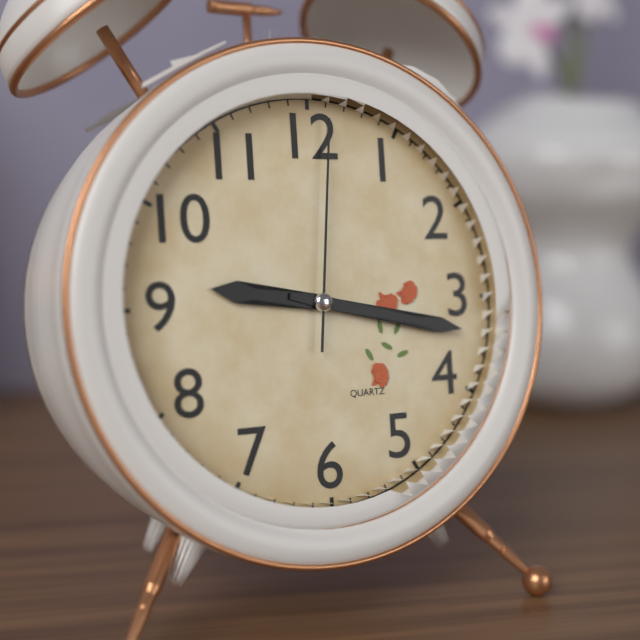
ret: {"hour": 9, "minute": 17, "second": 1}
